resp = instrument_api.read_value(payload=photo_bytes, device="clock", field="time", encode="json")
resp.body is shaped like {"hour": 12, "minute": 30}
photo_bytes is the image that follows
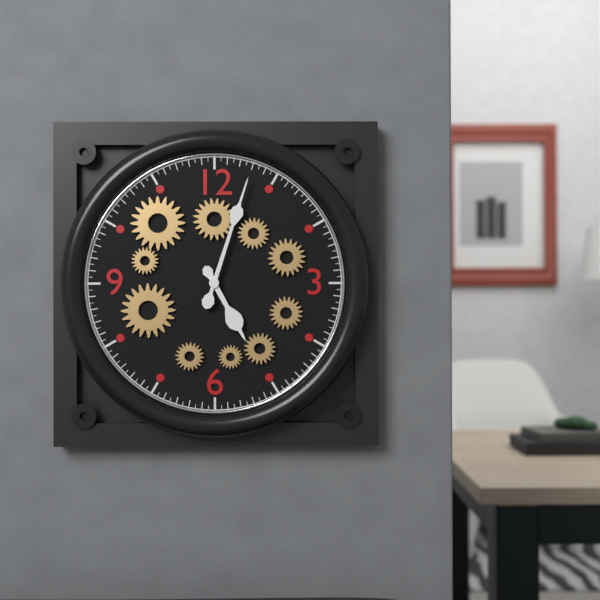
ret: {"hour": 5, "minute": 3}
